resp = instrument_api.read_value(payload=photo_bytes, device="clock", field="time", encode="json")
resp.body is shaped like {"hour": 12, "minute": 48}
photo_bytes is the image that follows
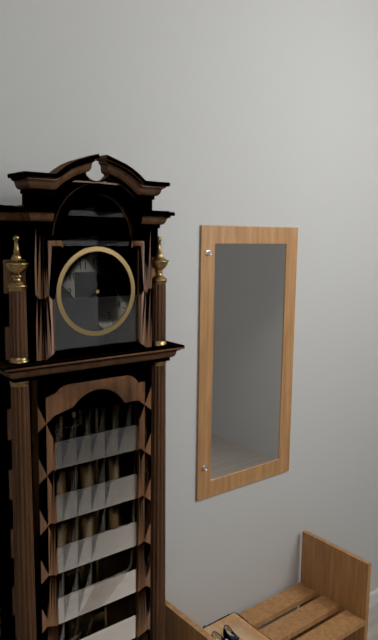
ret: {"hour": 2, "minute": 39}
